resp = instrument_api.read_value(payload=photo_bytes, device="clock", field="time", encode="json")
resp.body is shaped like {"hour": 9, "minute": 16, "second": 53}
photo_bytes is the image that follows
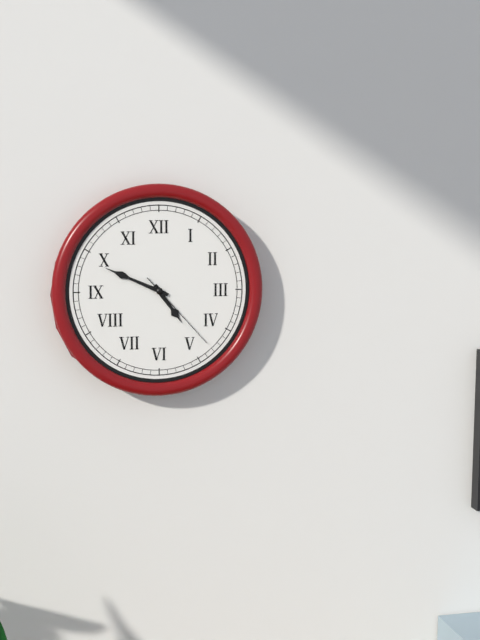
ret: {"hour": 4, "minute": 49, "second": 23}
